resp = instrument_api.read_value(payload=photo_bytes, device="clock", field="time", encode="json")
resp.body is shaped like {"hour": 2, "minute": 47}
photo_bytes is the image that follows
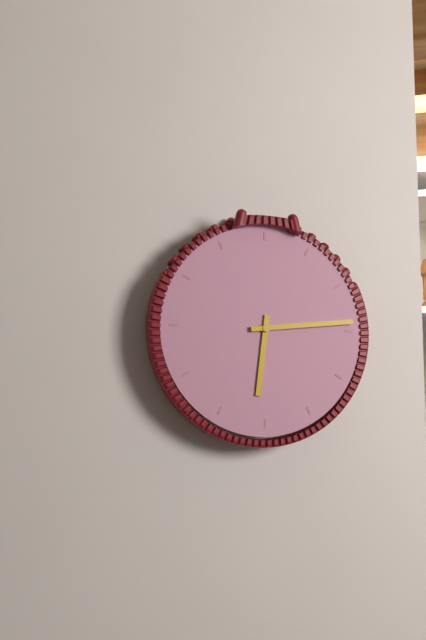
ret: {"hour": 6, "minute": 14}
